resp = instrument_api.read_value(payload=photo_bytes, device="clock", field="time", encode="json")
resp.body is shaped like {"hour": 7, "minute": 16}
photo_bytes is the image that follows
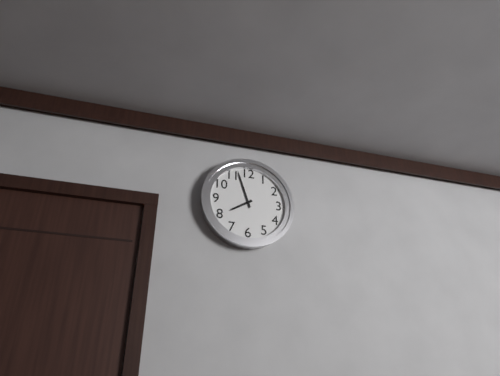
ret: {"hour": 7, "minute": 57}
